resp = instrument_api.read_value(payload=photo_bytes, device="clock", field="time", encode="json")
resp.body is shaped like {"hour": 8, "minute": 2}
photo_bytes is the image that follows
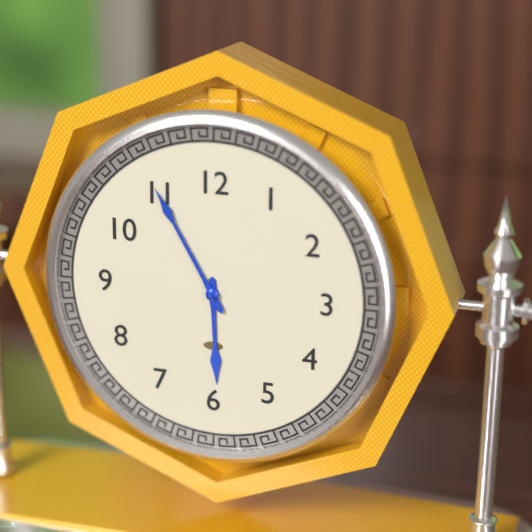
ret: {"hour": 5, "minute": 55}
